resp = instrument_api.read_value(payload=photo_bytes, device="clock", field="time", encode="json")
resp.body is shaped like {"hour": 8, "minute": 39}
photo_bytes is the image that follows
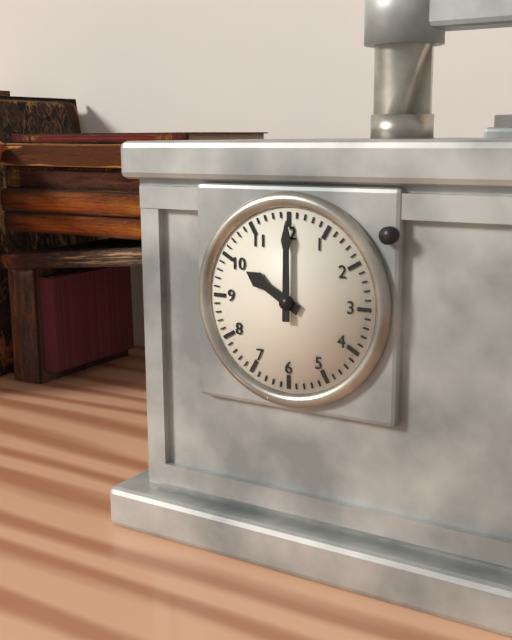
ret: {"hour": 10, "minute": 0}
